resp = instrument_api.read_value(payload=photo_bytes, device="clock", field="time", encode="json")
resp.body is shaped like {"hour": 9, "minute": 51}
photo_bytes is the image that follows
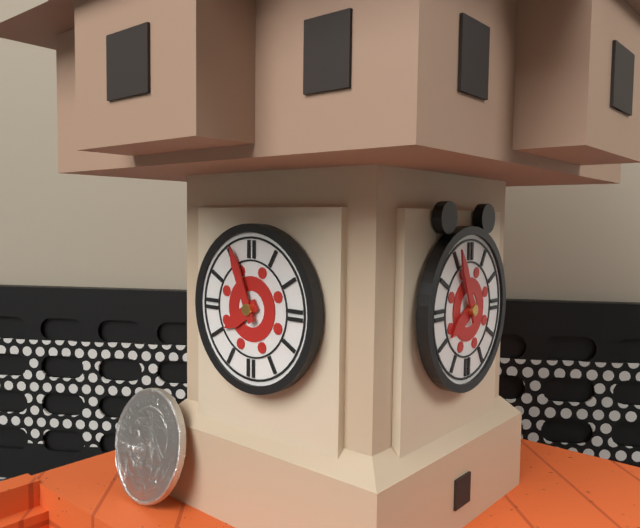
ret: {"hour": 7, "minute": 56}
